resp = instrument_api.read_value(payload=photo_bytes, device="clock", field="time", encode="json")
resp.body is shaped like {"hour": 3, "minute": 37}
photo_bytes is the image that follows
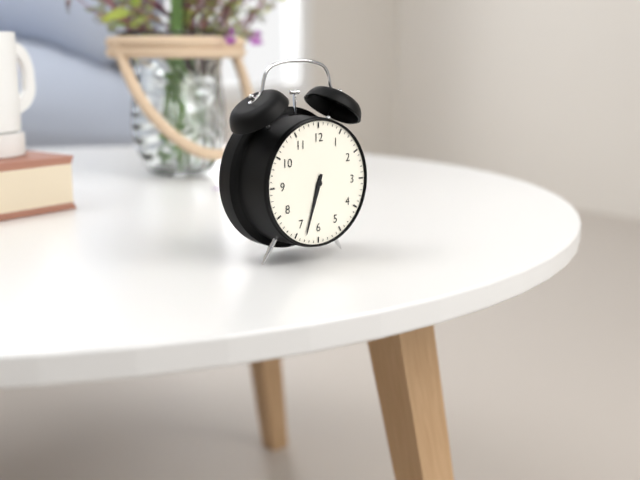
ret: {"hour": 6, "minute": 33}
